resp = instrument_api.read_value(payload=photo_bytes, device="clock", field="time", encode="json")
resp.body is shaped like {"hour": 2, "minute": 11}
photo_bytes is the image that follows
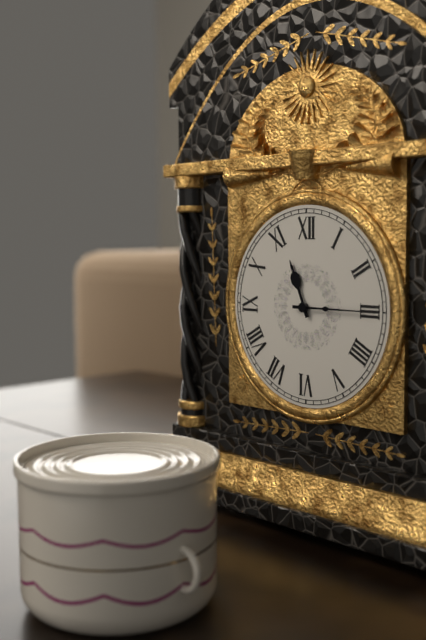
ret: {"hour": 11, "minute": 15}
